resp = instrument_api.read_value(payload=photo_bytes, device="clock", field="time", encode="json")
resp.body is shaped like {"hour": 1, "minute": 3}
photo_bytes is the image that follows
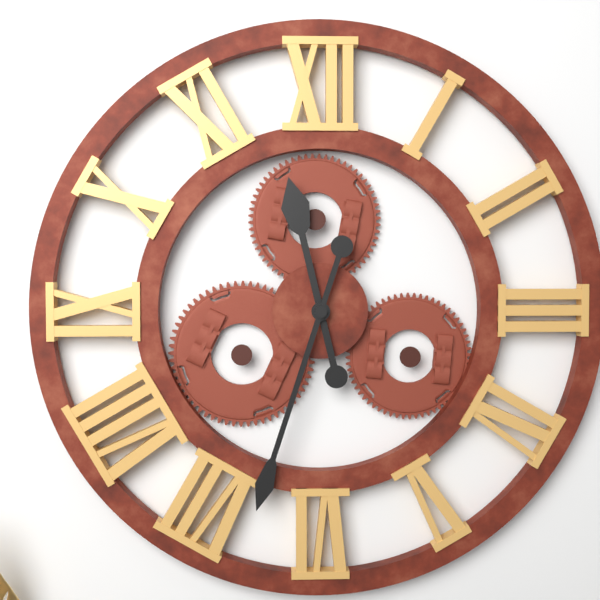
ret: {"hour": 11, "minute": 33}
